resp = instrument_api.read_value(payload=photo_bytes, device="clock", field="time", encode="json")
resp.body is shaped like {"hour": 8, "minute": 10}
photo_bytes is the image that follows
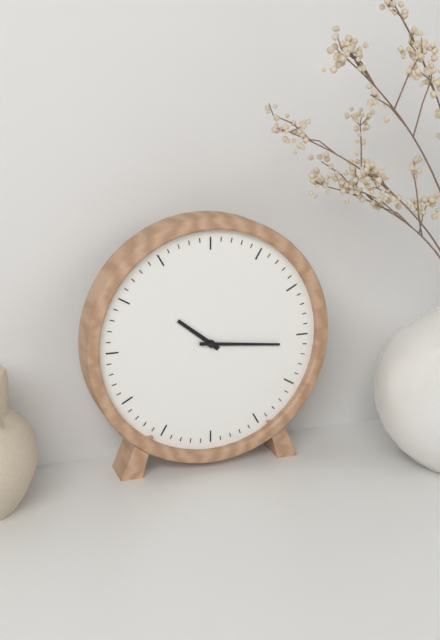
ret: {"hour": 10, "minute": 16}
